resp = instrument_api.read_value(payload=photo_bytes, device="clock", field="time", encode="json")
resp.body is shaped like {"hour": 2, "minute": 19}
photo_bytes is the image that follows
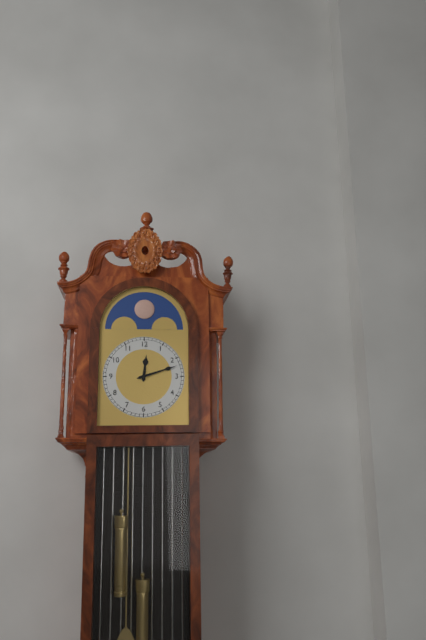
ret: {"hour": 12, "minute": 12}
